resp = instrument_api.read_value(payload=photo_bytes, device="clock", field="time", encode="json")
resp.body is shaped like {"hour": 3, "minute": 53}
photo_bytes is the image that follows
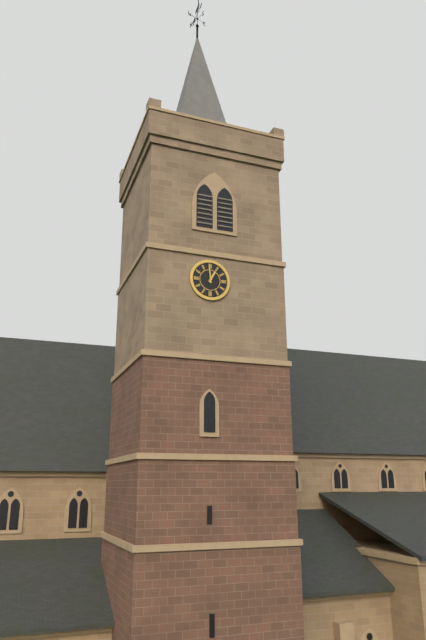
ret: {"hour": 12, "minute": 59}
